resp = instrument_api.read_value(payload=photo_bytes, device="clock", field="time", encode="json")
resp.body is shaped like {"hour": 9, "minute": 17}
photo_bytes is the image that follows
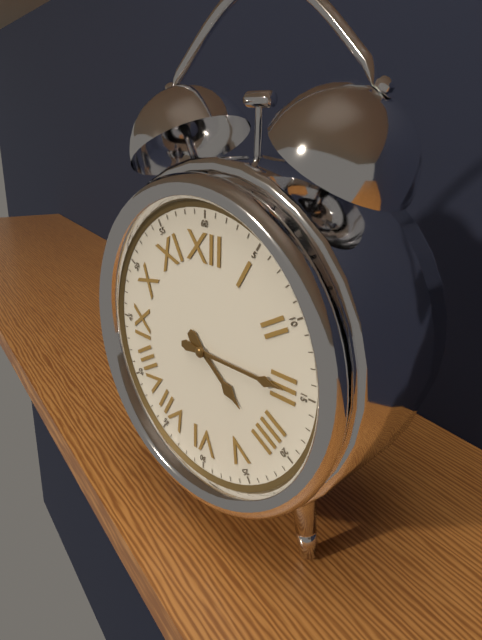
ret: {"hour": 4, "minute": 15}
